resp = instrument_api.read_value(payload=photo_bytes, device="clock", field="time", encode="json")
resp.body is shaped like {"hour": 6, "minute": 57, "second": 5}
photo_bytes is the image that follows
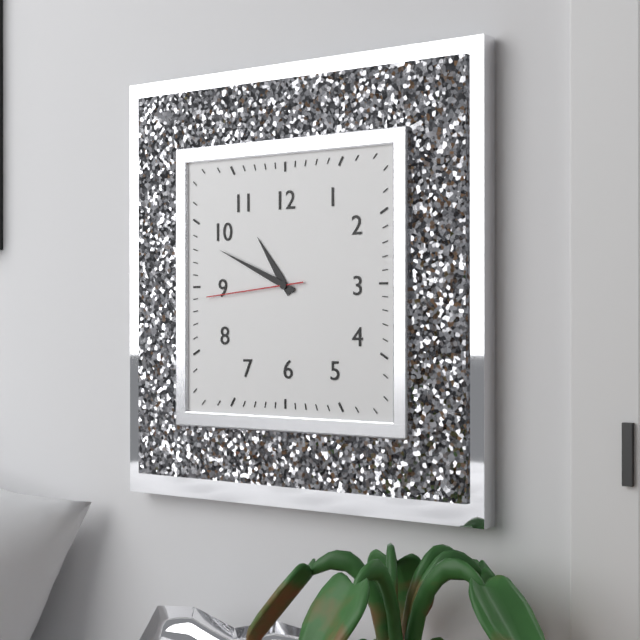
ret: {"hour": 10, "minute": 49, "second": 44}
